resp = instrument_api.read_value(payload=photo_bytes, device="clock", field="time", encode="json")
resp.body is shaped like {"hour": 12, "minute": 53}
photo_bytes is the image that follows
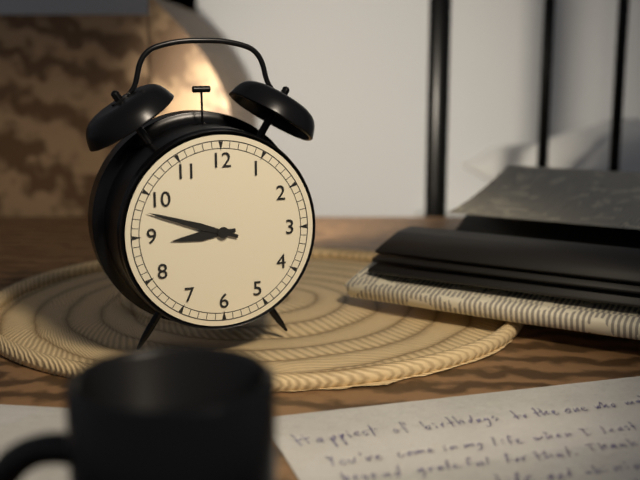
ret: {"hour": 8, "minute": 48}
